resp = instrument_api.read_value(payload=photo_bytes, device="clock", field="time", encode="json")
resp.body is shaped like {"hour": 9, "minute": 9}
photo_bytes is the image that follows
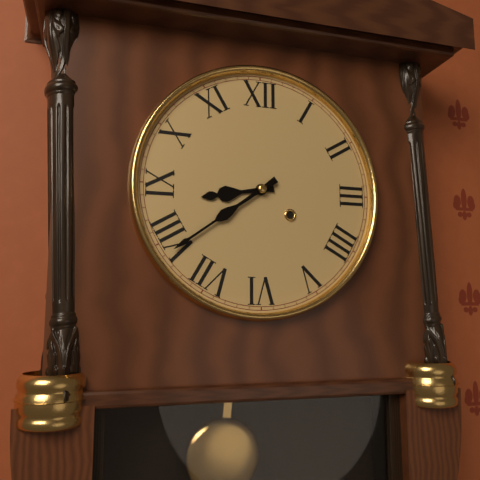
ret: {"hour": 8, "minute": 39}
